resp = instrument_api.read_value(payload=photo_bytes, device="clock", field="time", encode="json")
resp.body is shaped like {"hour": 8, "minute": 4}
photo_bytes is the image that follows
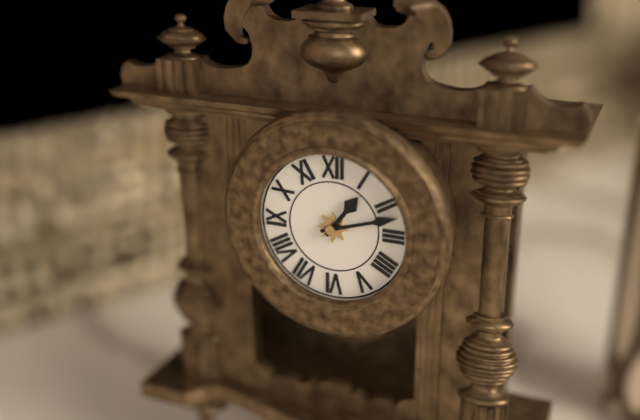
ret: {"hour": 1, "minute": 12}
